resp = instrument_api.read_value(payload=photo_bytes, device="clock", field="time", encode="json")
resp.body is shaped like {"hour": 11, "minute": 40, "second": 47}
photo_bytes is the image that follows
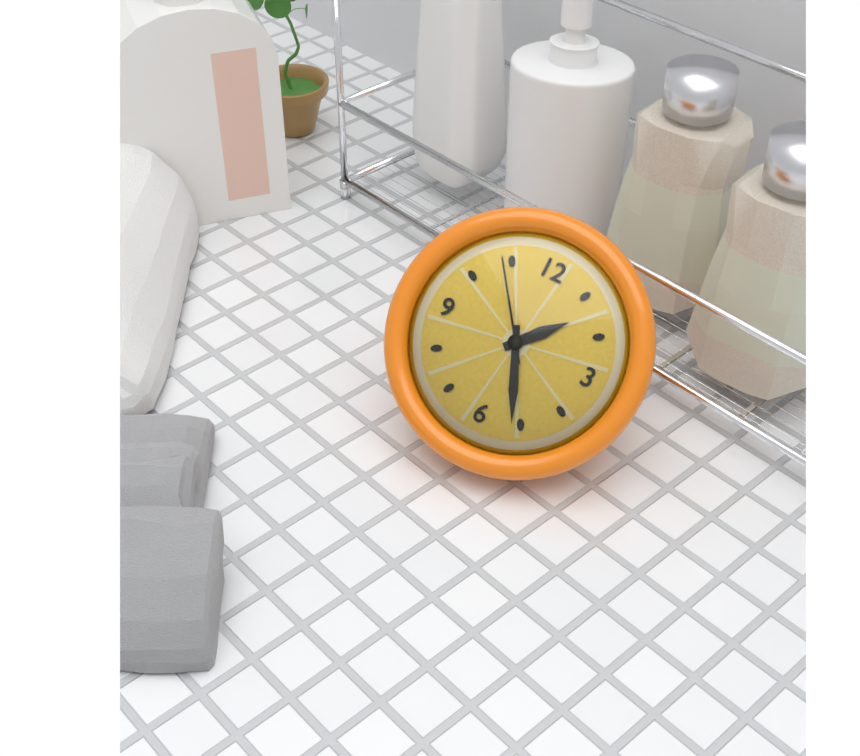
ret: {"hour": 1, "minute": 26, "second": 54}
